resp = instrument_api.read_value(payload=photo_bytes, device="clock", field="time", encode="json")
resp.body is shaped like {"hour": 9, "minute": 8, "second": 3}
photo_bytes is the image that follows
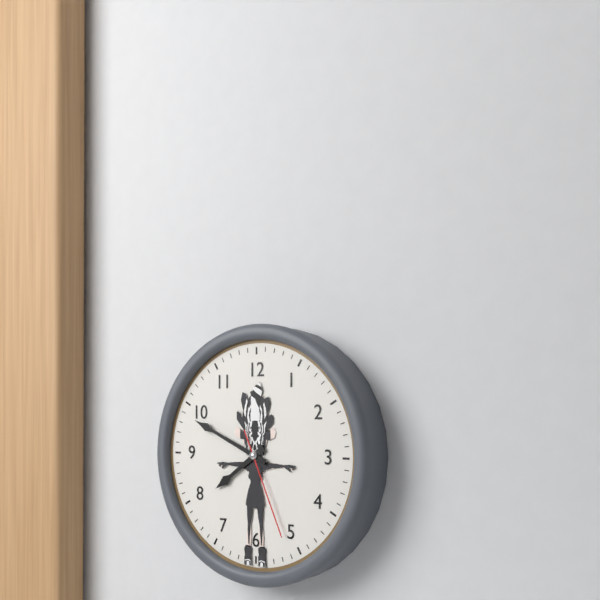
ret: {"hour": 7, "minute": 49, "second": 26}
